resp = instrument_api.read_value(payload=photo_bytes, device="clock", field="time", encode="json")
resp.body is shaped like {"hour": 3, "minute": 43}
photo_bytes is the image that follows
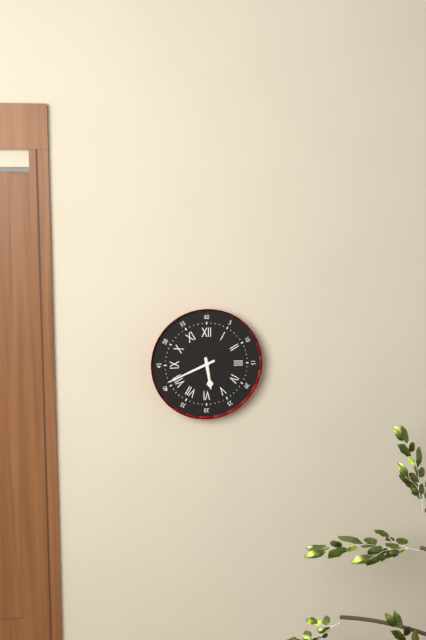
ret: {"hour": 5, "minute": 41}
